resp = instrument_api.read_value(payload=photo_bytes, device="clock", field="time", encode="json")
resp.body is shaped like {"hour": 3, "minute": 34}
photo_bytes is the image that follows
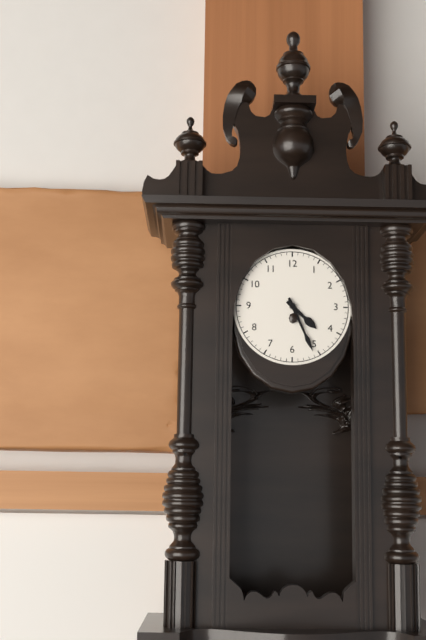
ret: {"hour": 4, "minute": 26}
